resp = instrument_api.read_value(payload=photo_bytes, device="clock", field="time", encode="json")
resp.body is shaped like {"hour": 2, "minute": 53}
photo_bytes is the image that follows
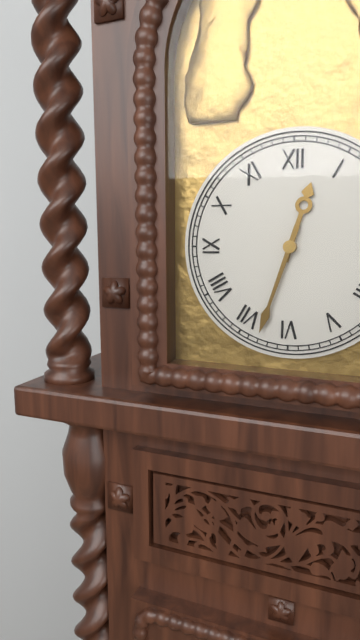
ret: {"hour": 12, "minute": 33}
